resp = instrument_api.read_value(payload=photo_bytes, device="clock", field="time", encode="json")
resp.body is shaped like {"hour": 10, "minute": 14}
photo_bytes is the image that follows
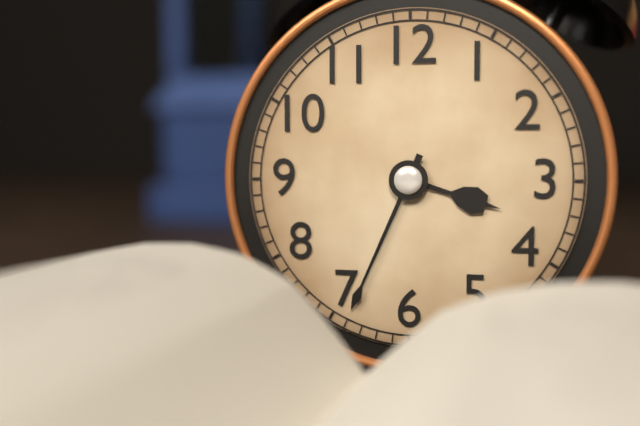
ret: {"hour": 3, "minute": 34}
